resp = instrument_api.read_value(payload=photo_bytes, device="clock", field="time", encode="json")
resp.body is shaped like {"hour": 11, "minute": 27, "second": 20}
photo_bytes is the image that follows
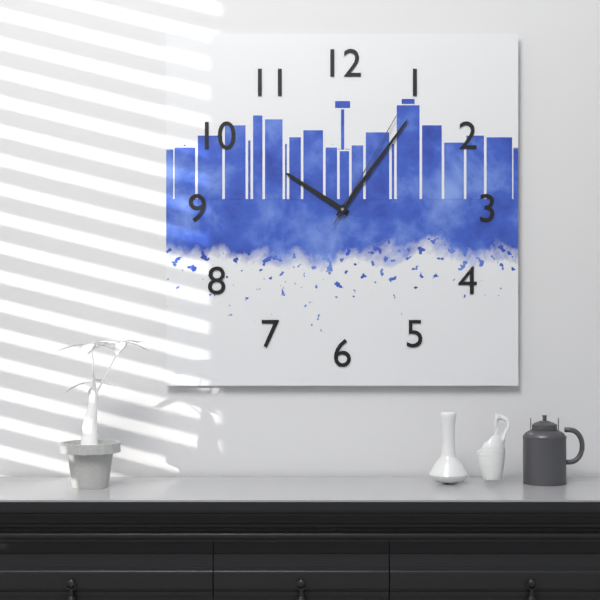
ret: {"hour": 10, "minute": 6, "second": 5}
